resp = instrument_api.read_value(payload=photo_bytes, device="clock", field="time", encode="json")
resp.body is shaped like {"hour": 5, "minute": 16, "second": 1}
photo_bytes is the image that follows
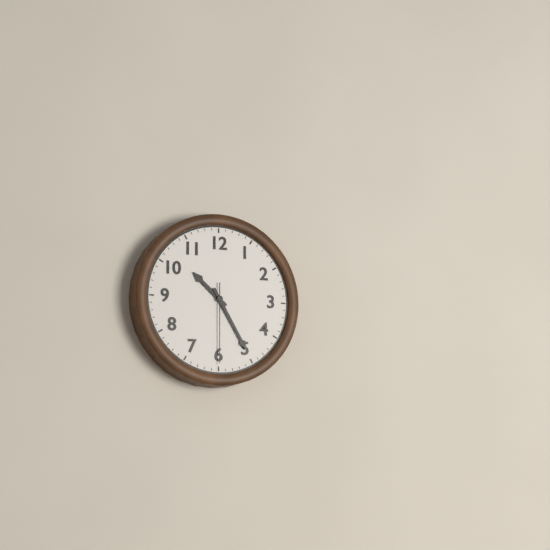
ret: {"hour": 10, "minute": 25, "second": 30}
